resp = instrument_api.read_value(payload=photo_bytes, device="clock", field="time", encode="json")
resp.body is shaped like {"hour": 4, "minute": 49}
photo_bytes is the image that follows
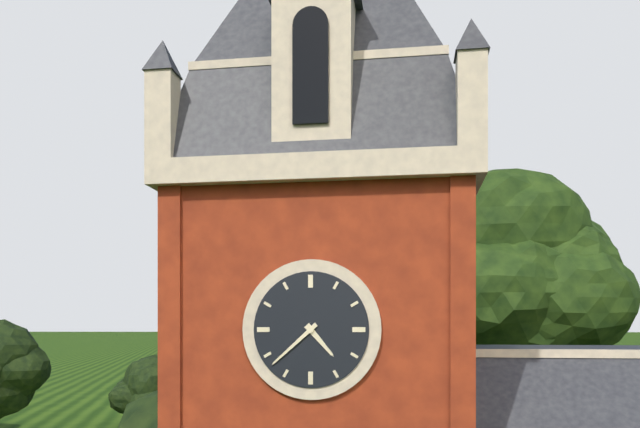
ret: {"hour": 4, "minute": 38}
